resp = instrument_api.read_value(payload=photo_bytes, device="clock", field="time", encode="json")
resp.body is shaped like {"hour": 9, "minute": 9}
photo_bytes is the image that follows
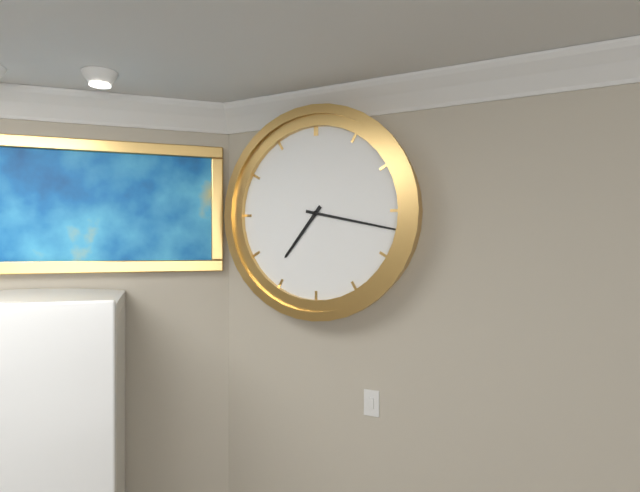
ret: {"hour": 7, "minute": 17}
